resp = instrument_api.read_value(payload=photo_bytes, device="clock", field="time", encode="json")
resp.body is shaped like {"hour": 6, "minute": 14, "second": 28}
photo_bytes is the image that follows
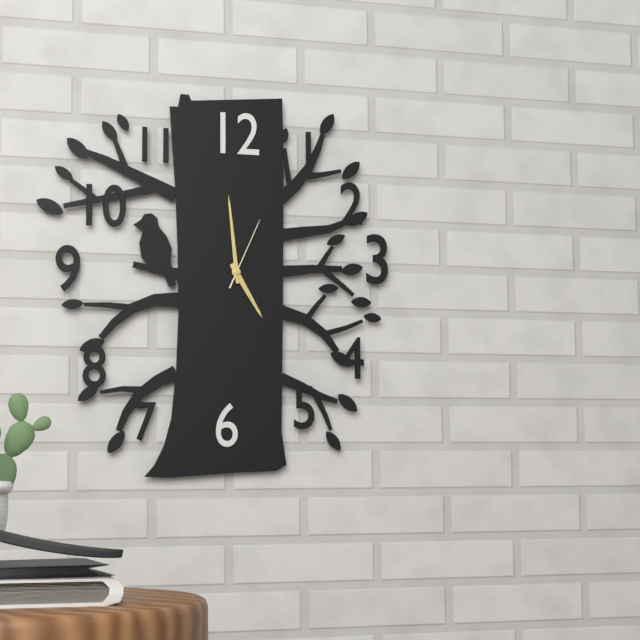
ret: {"hour": 4, "minute": 59, "second": 4}
